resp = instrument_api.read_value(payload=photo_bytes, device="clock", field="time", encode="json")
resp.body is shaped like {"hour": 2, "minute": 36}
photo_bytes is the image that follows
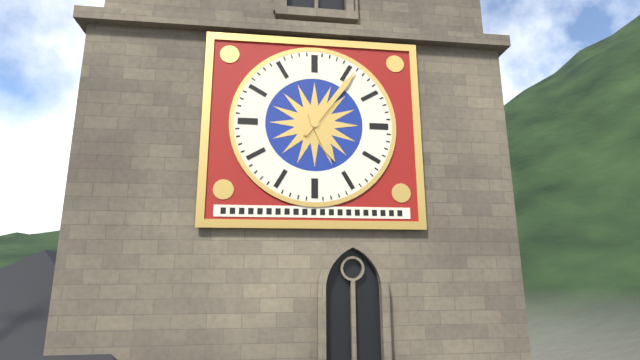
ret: {"hour": 5, "minute": 6}
